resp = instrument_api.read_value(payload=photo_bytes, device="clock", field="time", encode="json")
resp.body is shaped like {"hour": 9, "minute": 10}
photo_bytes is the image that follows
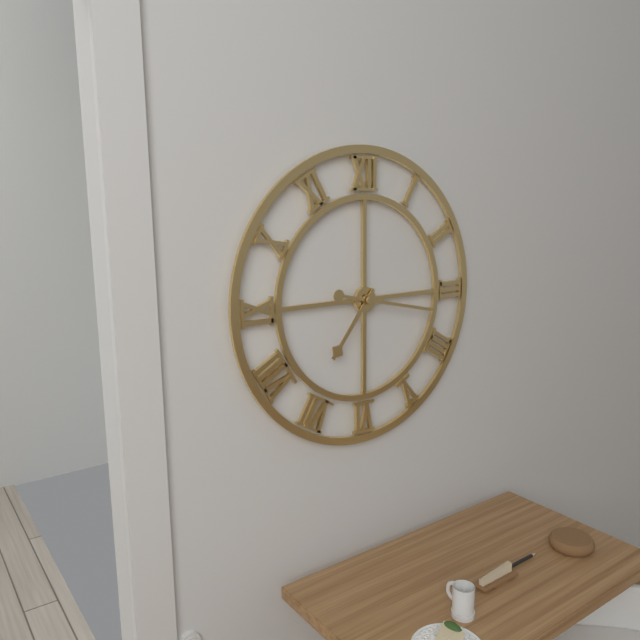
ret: {"hour": 7, "minute": 17}
